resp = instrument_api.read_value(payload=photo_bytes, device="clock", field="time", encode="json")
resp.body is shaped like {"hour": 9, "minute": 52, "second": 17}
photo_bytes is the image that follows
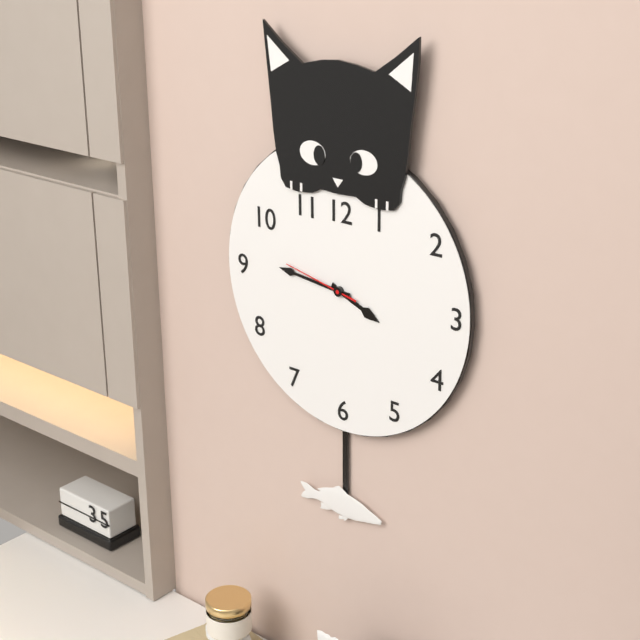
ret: {"hour": 3, "minute": 46, "second": 47}
